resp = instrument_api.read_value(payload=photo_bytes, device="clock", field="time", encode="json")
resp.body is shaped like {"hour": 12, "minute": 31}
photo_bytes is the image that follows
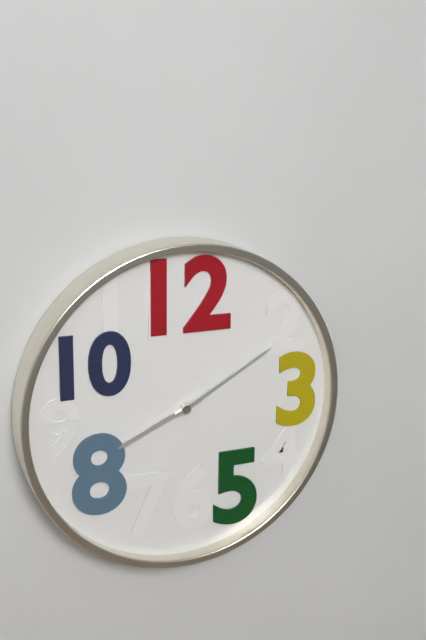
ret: {"hour": 8, "minute": 10}
